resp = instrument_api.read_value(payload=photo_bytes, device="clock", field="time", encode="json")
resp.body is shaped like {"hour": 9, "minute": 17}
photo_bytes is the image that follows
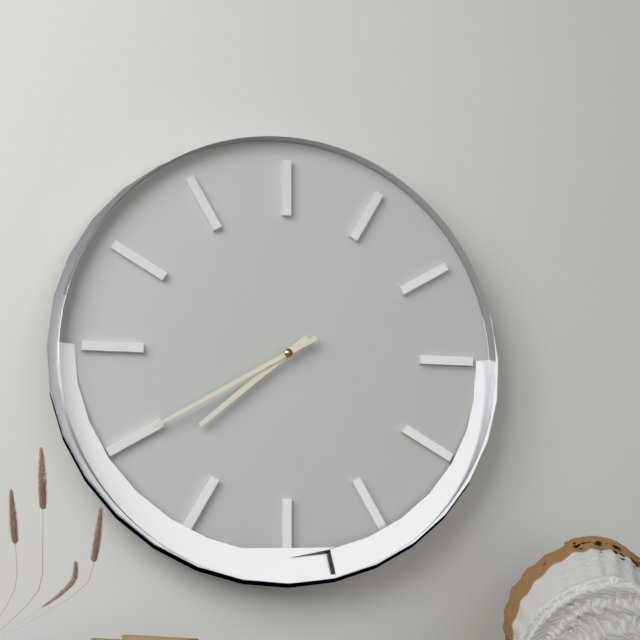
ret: {"hour": 7, "minute": 40}
